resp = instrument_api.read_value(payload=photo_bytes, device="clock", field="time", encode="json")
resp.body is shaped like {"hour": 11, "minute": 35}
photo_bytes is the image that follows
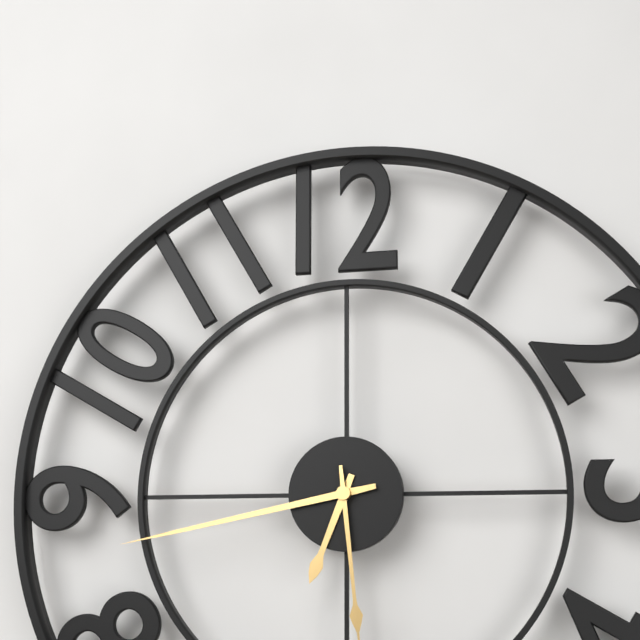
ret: {"hour": 6, "minute": 43}
